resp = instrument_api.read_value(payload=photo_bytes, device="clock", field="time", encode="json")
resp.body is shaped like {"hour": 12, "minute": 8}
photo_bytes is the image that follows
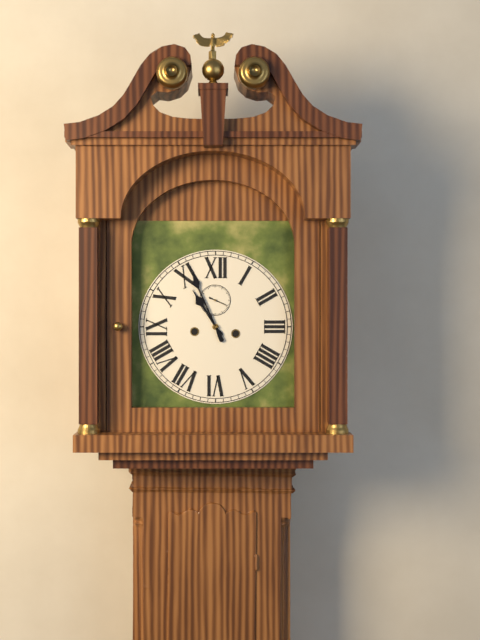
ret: {"hour": 10, "minute": 56}
